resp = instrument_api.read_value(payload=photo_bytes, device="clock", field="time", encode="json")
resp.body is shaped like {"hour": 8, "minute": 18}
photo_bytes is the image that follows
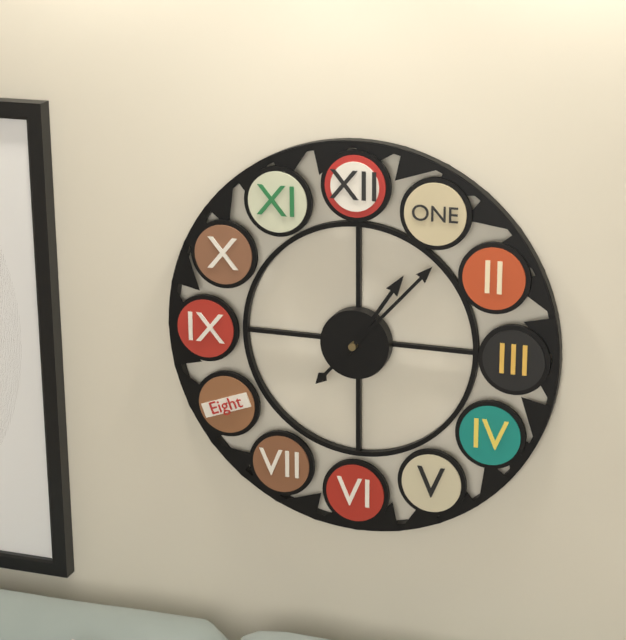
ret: {"hour": 1, "minute": 7}
